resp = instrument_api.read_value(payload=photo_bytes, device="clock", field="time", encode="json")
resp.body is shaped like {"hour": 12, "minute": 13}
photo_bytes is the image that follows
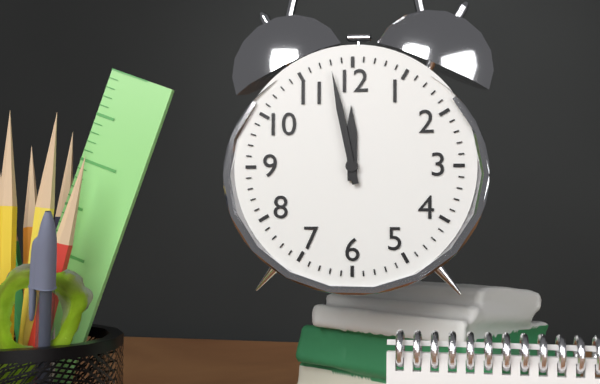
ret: {"hour": 11, "minute": 58}
